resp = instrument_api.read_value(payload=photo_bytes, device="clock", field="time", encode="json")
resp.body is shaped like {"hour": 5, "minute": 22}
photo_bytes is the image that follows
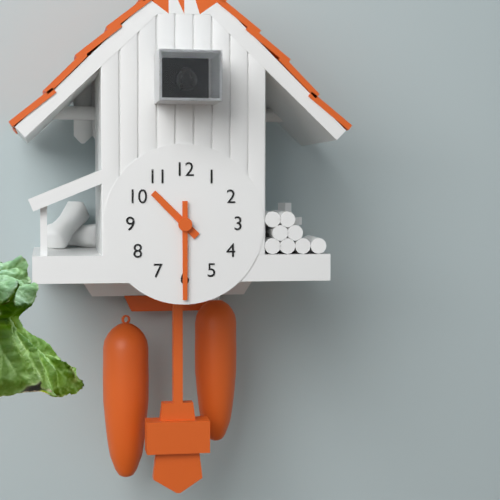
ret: {"hour": 10, "minute": 30}
